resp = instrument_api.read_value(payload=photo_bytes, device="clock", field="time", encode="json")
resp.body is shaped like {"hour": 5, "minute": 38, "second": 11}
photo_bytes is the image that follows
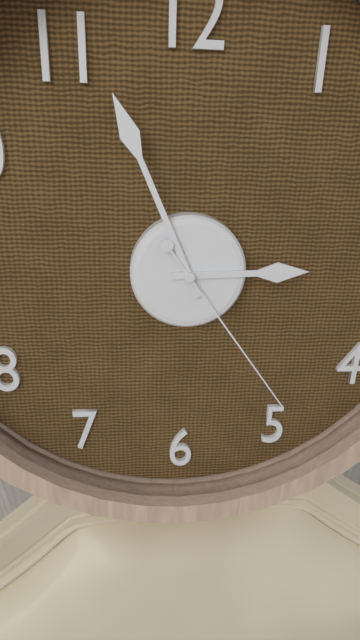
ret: {"hour": 2, "minute": 56, "second": 24}
